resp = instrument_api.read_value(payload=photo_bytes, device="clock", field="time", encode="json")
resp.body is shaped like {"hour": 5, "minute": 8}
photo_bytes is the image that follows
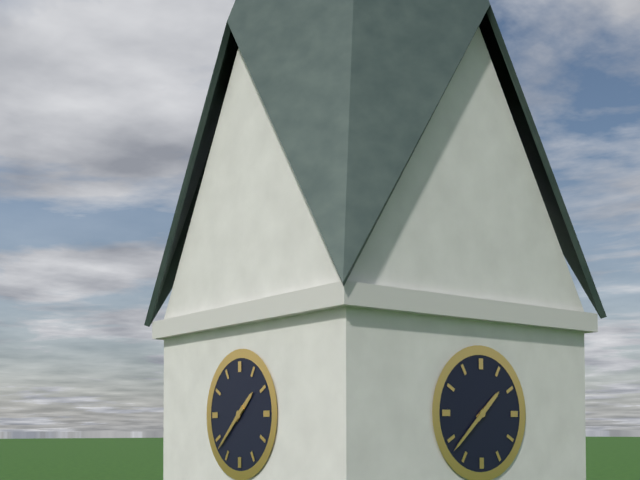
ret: {"hour": 1, "minute": 38}
